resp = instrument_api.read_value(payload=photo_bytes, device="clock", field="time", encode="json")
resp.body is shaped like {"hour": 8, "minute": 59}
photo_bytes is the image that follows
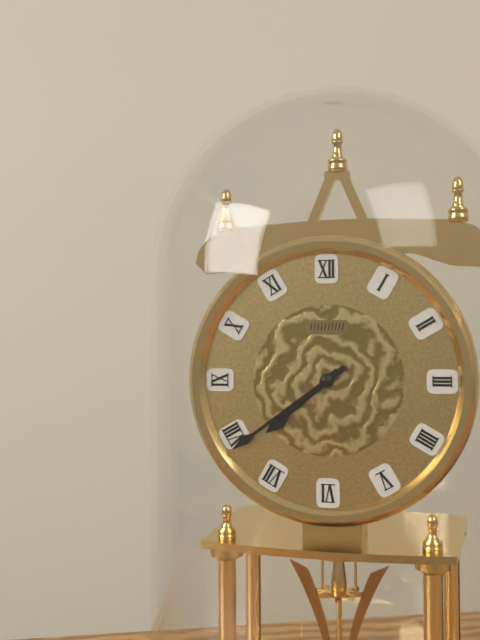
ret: {"hour": 7, "minute": 39}
